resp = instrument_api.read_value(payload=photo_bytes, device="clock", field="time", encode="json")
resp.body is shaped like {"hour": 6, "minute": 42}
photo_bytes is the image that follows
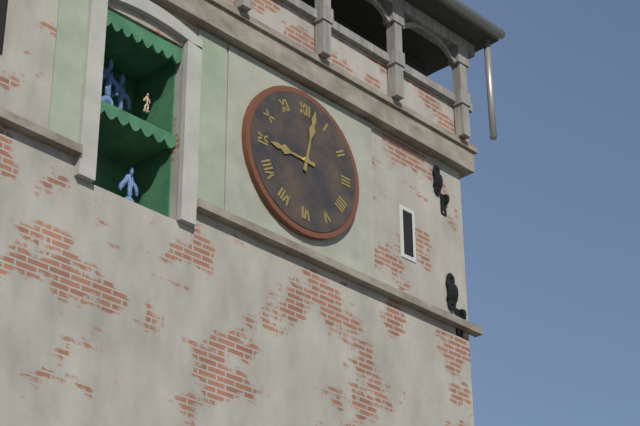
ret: {"hour": 9, "minute": 2}
